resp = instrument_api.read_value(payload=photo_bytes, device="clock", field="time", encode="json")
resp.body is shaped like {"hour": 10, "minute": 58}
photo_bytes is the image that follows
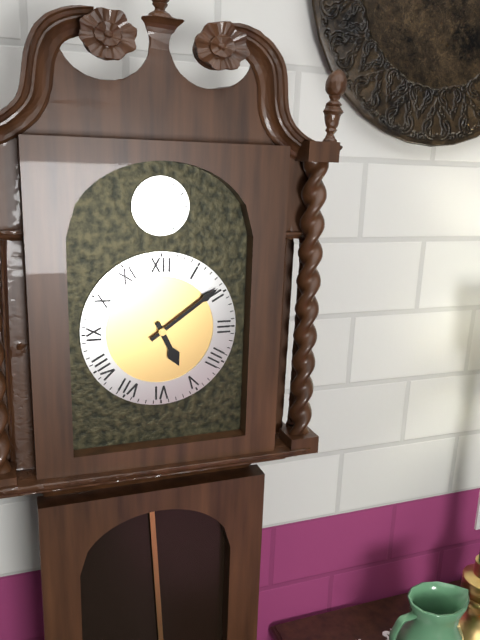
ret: {"hour": 5, "minute": 9}
